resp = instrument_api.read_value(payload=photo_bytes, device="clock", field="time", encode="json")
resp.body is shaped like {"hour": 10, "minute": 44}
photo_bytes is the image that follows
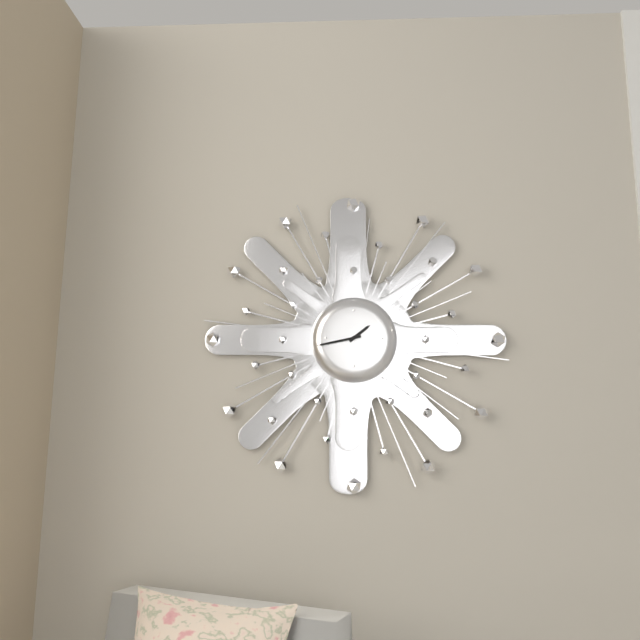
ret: {"hour": 1, "minute": 43}
